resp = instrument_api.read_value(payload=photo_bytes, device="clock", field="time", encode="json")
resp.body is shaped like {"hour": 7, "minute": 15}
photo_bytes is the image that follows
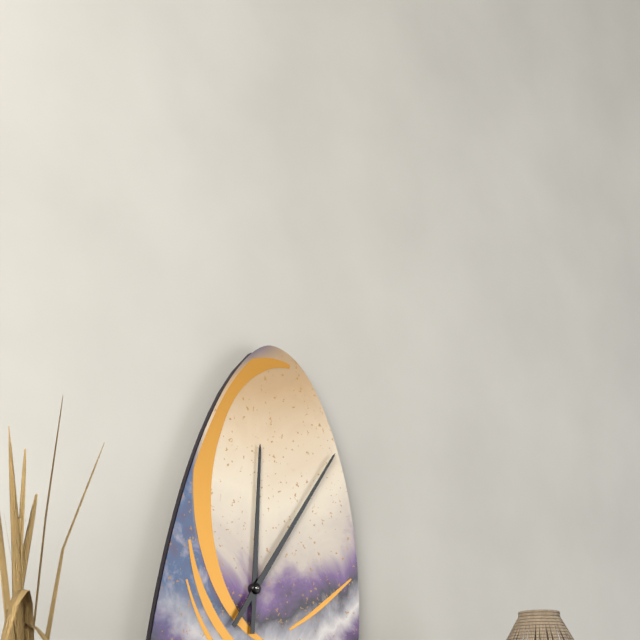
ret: {"hour": 12, "minute": 6}
